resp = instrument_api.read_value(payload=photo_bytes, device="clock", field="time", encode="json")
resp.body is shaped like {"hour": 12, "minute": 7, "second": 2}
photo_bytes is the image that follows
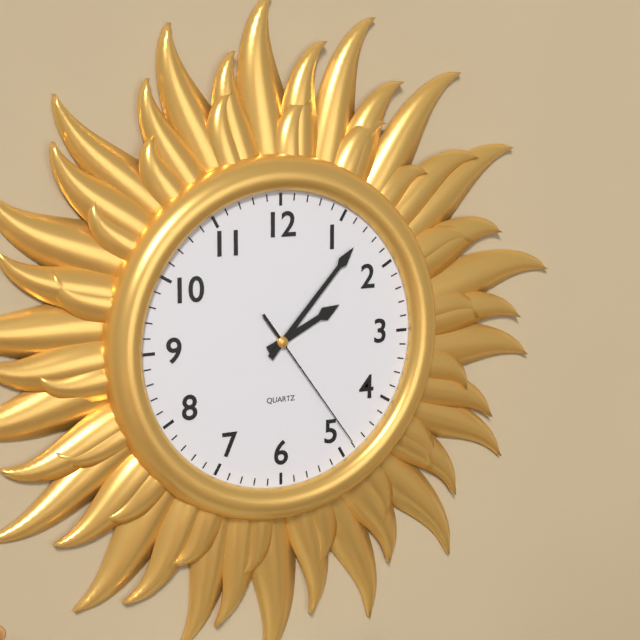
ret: {"hour": 2, "minute": 7, "second": 24}
